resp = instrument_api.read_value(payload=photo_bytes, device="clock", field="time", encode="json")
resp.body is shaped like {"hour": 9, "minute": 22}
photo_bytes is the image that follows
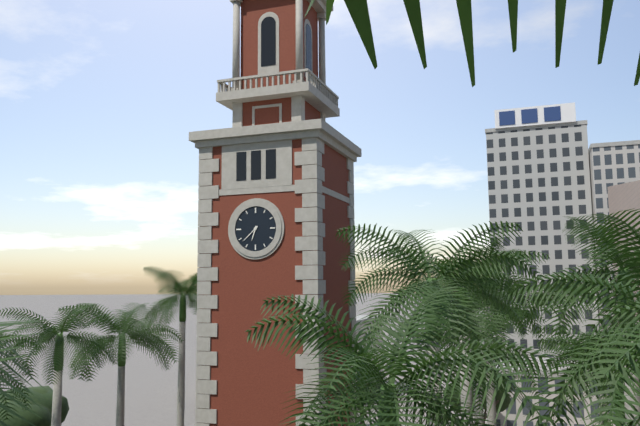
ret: {"hour": 6, "minute": 38}
